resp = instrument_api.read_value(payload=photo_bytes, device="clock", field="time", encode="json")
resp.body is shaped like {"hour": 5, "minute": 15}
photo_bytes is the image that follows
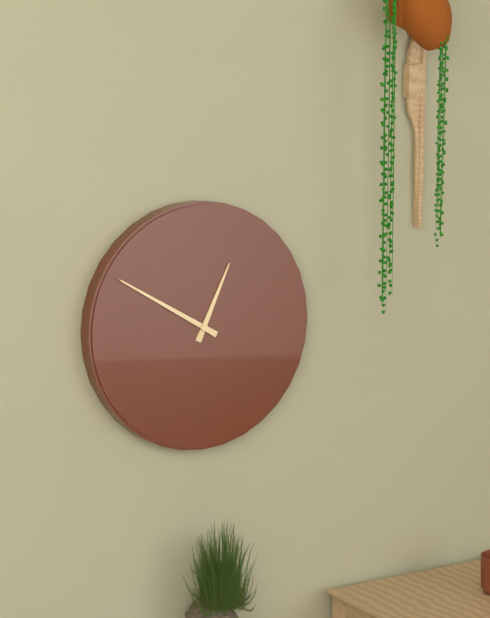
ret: {"hour": 12, "minute": 50}
